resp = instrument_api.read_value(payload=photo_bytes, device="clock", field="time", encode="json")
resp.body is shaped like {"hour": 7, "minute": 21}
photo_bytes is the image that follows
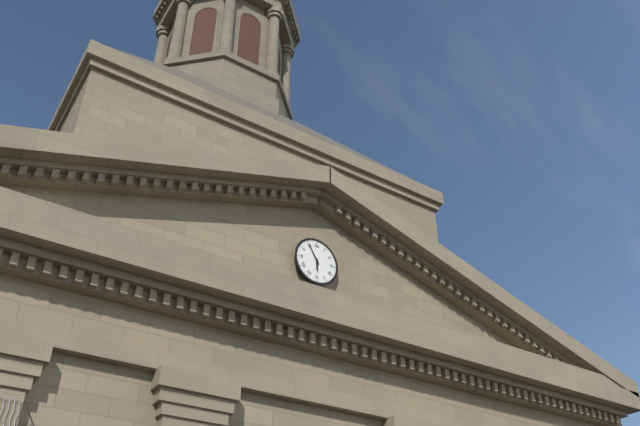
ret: {"hour": 5, "minute": 55}
